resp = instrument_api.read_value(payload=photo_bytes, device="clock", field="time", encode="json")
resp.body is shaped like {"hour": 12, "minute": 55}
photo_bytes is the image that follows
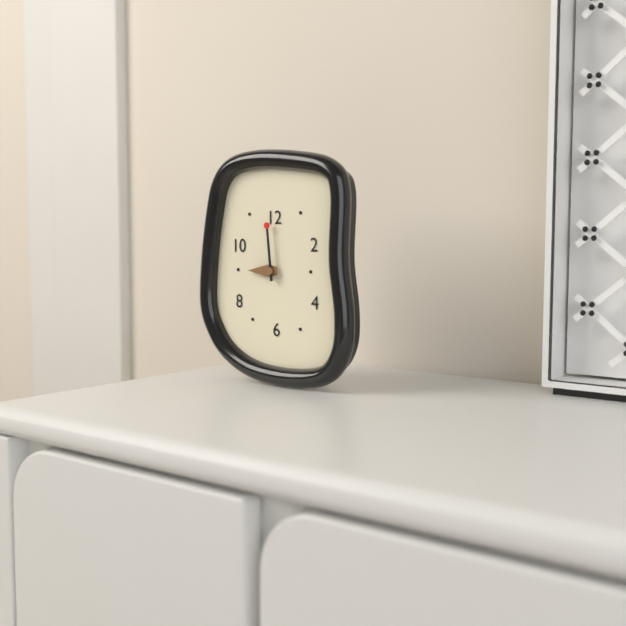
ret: {"hour": 8, "minute": 59}
